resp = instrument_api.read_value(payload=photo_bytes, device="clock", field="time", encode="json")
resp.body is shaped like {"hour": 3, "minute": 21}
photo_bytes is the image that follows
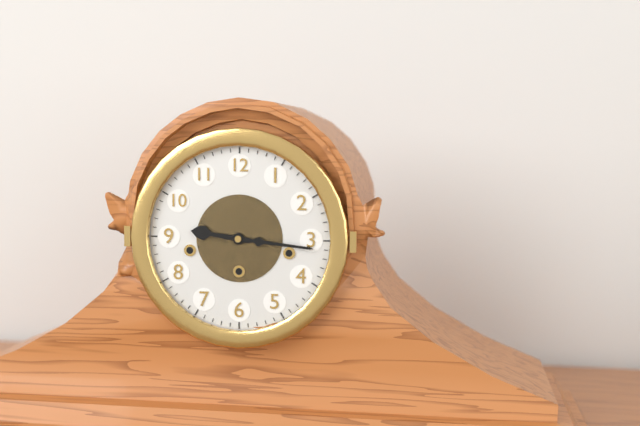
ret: {"hour": 9, "minute": 16}
